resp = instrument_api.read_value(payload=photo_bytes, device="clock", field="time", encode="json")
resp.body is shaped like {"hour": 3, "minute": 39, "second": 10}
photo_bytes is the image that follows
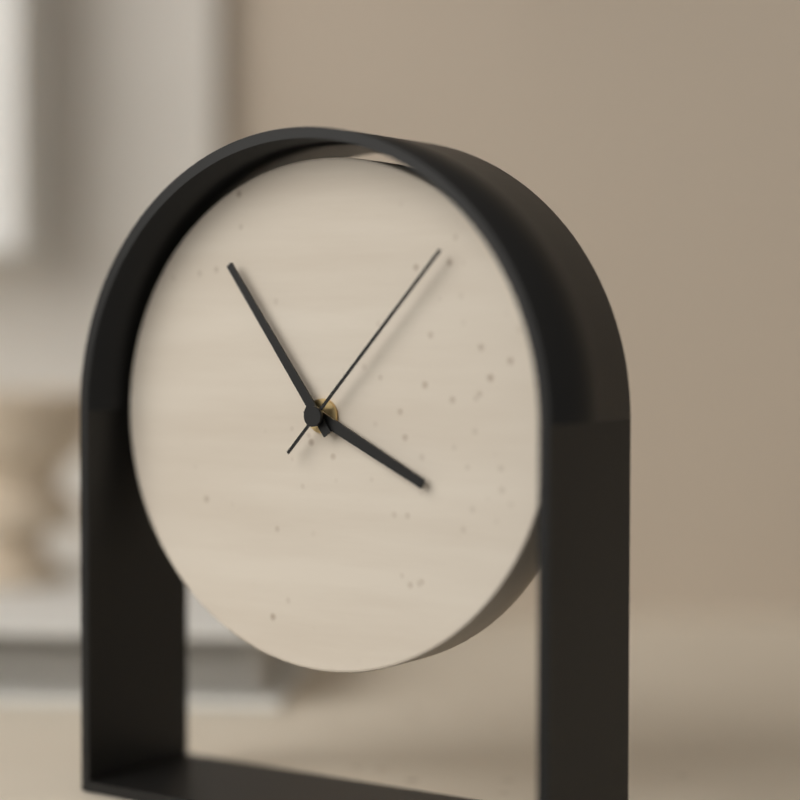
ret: {"hour": 3, "minute": 54, "second": 7}
